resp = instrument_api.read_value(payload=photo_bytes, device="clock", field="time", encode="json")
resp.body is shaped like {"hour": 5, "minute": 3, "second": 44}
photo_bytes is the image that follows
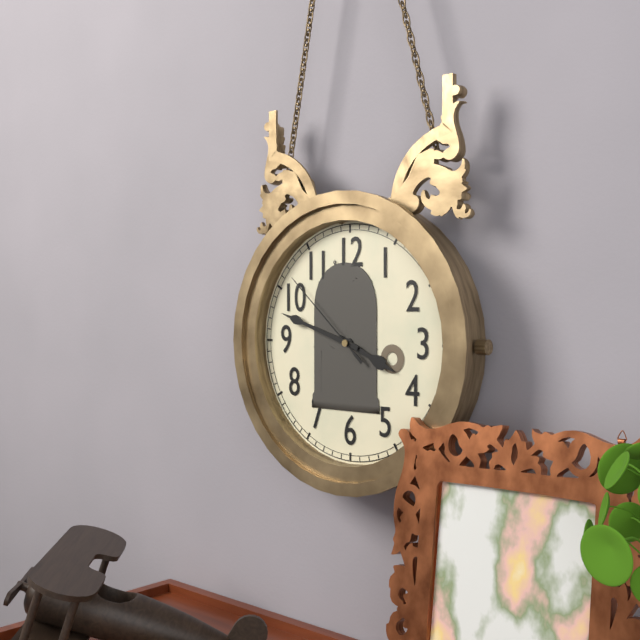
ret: {"hour": 3, "minute": 48, "second": 52}
